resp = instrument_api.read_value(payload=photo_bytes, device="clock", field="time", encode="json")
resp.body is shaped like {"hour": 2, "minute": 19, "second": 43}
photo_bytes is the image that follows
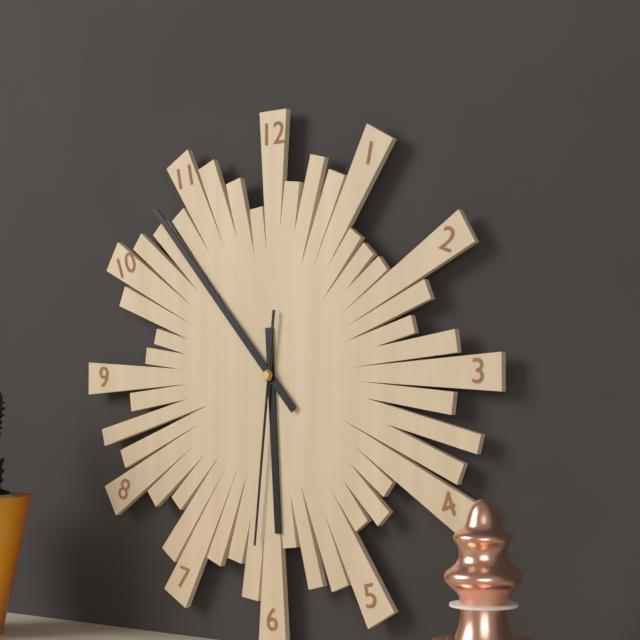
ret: {"hour": 5, "minute": 53, "second": 31}
